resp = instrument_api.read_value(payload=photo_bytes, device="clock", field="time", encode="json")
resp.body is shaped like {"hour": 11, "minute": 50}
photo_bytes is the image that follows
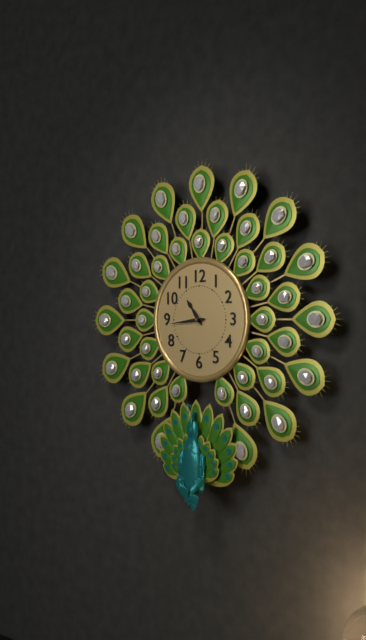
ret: {"hour": 10, "minute": 44}
